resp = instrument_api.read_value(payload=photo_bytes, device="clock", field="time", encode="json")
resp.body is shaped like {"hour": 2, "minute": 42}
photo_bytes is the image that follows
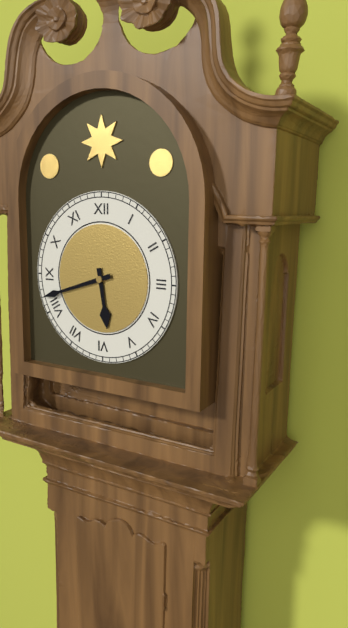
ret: {"hour": 5, "minute": 42}
